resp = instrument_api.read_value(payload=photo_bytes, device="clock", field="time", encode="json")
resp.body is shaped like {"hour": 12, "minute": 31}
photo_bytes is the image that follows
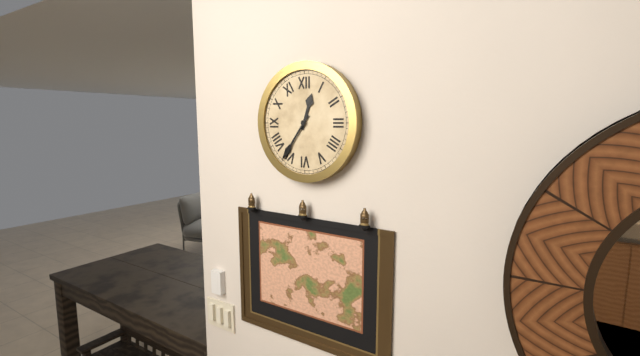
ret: {"hour": 12, "minute": 36}
